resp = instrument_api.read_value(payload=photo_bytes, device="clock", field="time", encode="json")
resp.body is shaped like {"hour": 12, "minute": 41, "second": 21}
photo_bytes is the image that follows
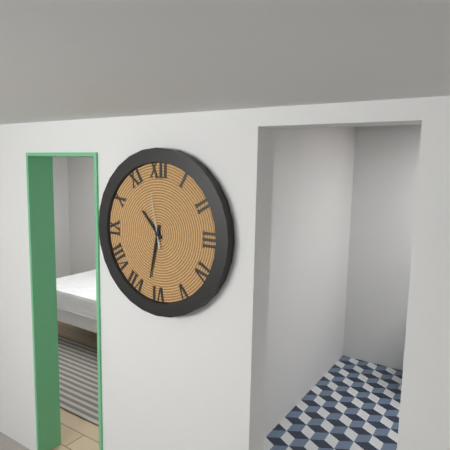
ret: {"hour": 10, "minute": 32, "second": 58}
